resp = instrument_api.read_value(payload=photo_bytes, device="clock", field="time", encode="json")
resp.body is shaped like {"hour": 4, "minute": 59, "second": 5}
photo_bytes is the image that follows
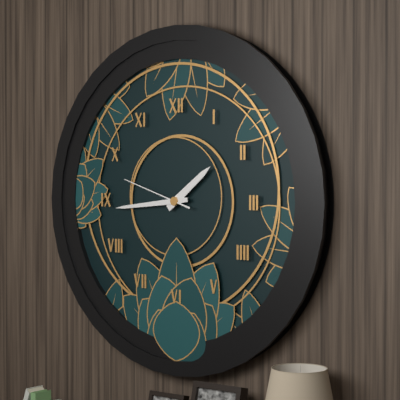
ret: {"hour": 1, "minute": 44, "second": 48}
